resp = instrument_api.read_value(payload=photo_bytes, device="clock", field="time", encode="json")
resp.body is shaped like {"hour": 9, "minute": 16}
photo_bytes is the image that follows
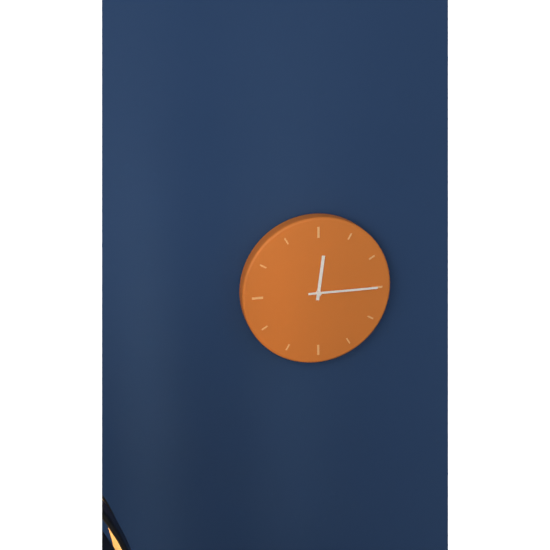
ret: {"hour": 12, "minute": 15}
